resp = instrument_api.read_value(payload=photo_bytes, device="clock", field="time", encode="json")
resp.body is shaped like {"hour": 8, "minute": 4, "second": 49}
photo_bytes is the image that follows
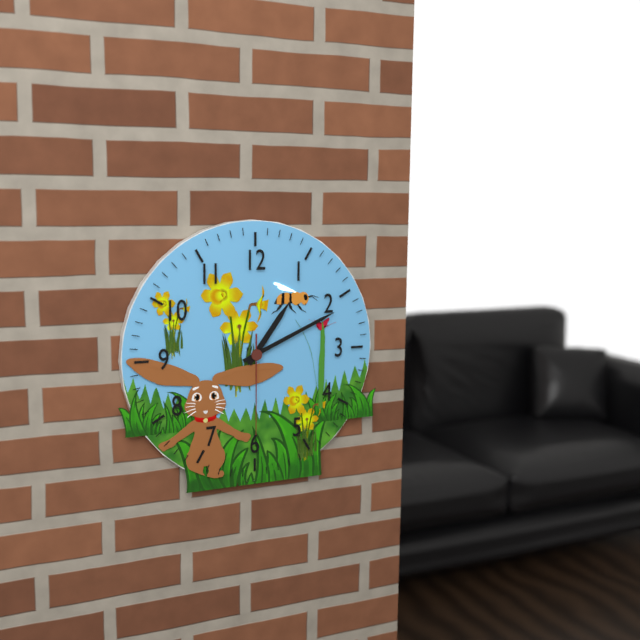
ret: {"hour": 1, "minute": 11, "second": 30}
